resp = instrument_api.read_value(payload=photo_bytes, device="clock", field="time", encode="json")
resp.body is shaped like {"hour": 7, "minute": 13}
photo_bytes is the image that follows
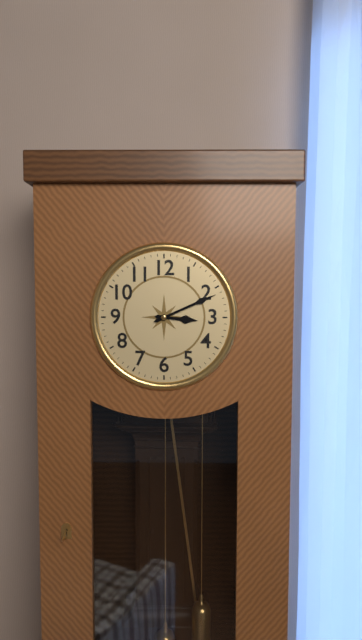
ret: {"hour": 3, "minute": 11}
